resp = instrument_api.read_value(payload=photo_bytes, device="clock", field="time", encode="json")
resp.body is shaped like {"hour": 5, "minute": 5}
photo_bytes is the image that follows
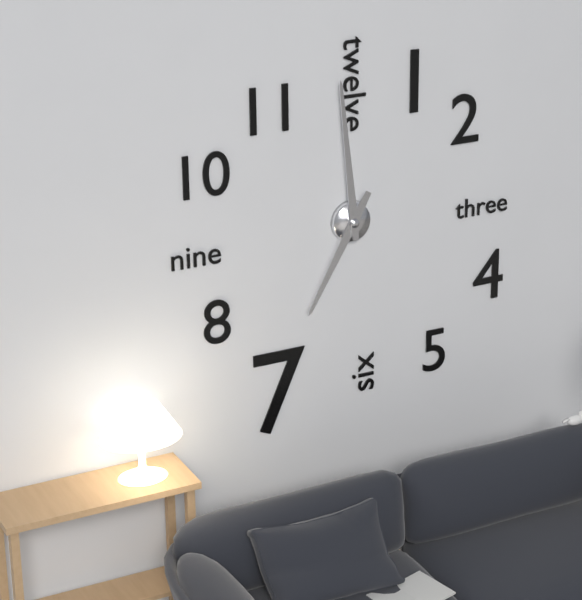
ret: {"hour": 6, "minute": 59}
